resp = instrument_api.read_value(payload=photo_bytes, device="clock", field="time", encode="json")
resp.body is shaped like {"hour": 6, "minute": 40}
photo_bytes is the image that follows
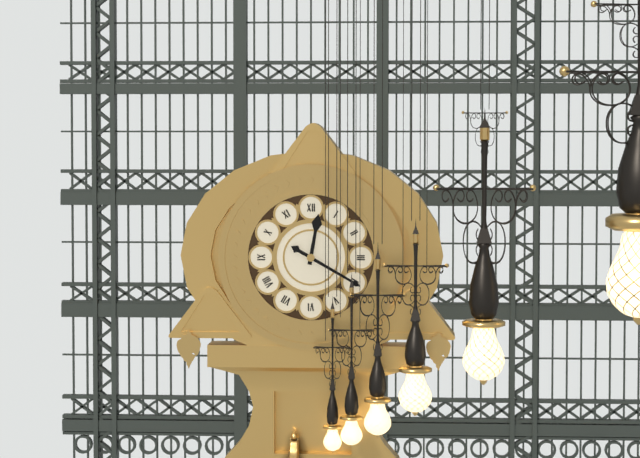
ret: {"hour": 12, "minute": 20}
